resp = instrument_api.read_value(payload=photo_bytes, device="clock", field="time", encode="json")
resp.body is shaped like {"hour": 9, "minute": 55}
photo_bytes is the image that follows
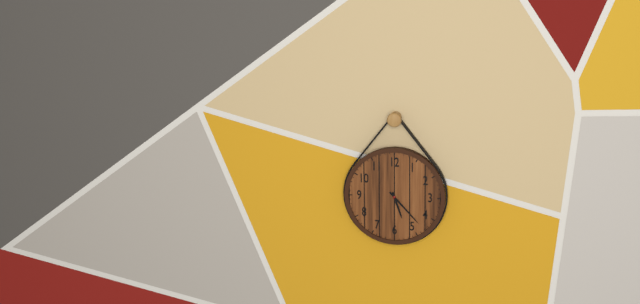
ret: {"hour": 5, "minute": 23}
